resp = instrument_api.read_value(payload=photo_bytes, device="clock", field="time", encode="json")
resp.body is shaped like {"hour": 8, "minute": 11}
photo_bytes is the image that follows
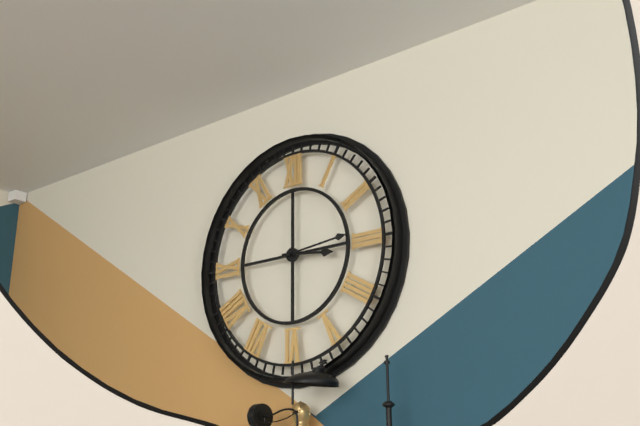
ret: {"hour": 3, "minute": 14}
